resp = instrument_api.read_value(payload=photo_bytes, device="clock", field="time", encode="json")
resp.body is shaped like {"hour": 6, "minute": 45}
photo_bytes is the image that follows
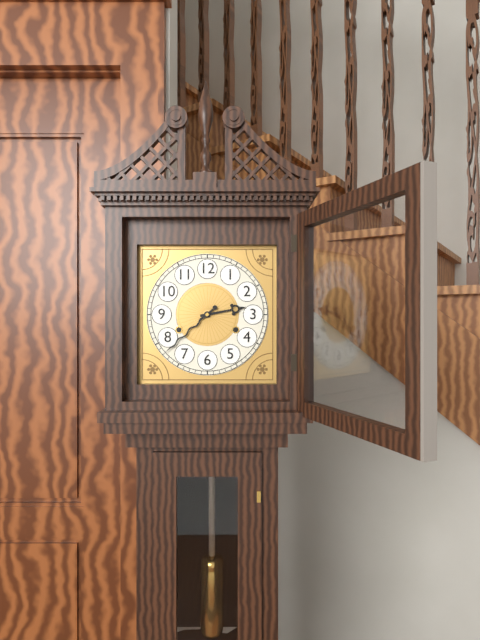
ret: {"hour": 2, "minute": 38}
